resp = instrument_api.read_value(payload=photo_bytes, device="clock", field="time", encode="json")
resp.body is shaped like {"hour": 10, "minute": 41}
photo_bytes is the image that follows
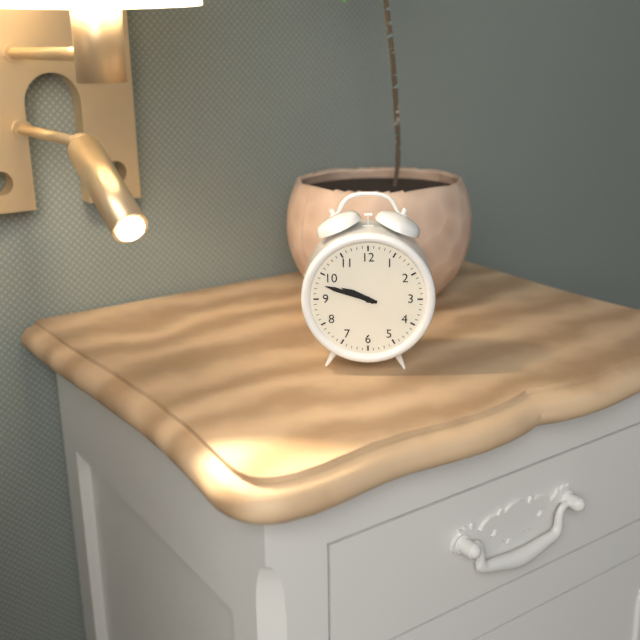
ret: {"hour": 9, "minute": 48}
